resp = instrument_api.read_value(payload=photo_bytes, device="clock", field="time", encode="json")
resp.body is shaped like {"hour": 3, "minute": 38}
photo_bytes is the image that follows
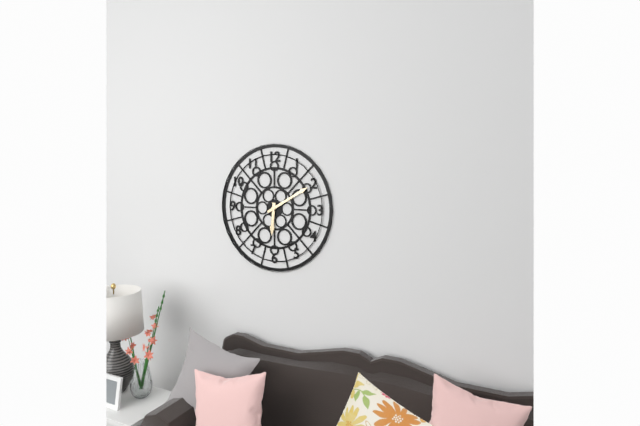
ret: {"hour": 6, "minute": 10}
